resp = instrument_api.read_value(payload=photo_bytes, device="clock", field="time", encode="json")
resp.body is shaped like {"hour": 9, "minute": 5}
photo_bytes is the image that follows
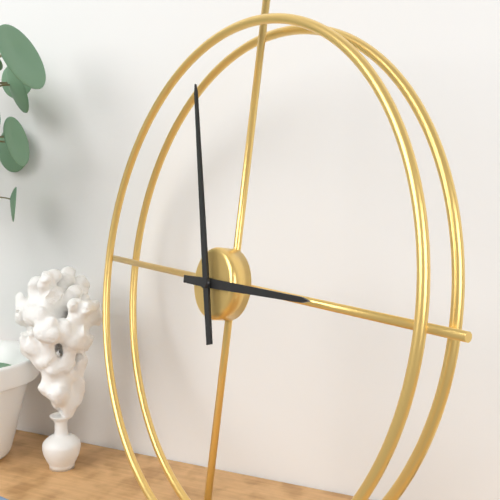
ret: {"hour": 2, "minute": 57}
